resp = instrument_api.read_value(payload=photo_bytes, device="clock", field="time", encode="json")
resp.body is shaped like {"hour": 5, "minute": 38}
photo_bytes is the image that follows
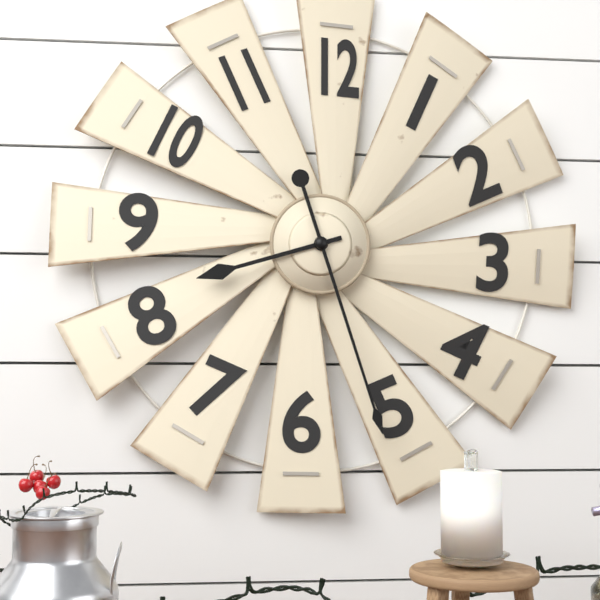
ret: {"hour": 8, "minute": 27}
